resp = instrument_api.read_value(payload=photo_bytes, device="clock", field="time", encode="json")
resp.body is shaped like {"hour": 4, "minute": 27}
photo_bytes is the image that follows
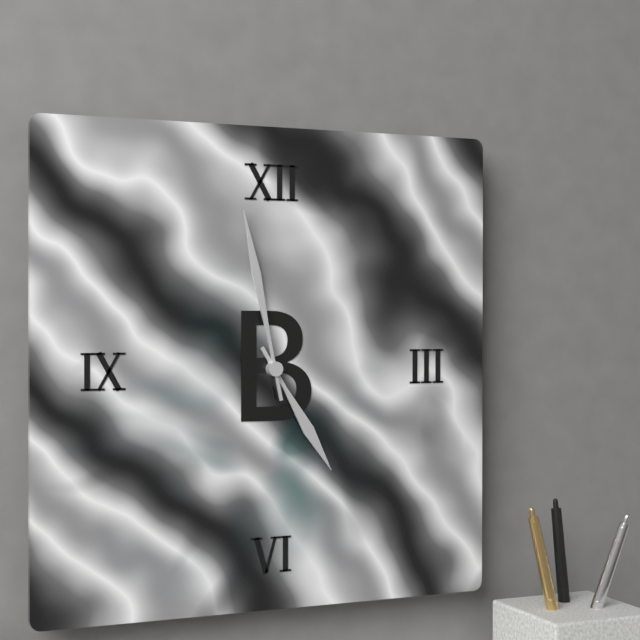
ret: {"hour": 4, "minute": 58}
